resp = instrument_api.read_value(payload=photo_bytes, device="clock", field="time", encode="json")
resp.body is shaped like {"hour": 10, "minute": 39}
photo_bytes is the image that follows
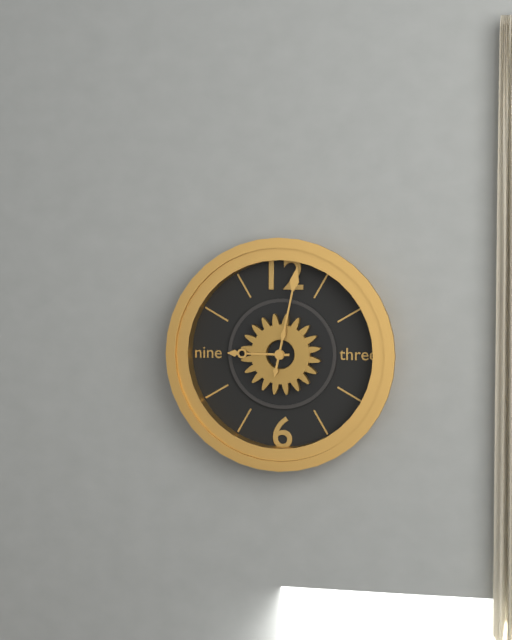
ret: {"hour": 9, "minute": 2}
